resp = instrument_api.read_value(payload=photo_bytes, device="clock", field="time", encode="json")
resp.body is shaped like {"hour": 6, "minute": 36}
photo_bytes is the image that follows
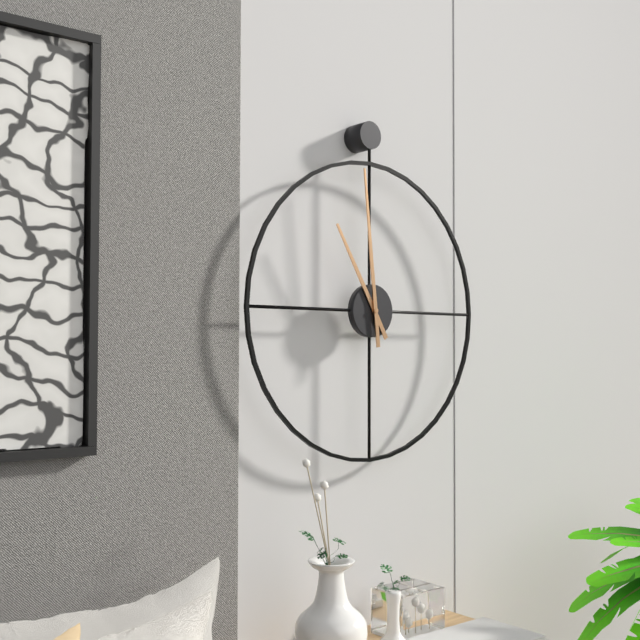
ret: {"hour": 10, "minute": 59}
